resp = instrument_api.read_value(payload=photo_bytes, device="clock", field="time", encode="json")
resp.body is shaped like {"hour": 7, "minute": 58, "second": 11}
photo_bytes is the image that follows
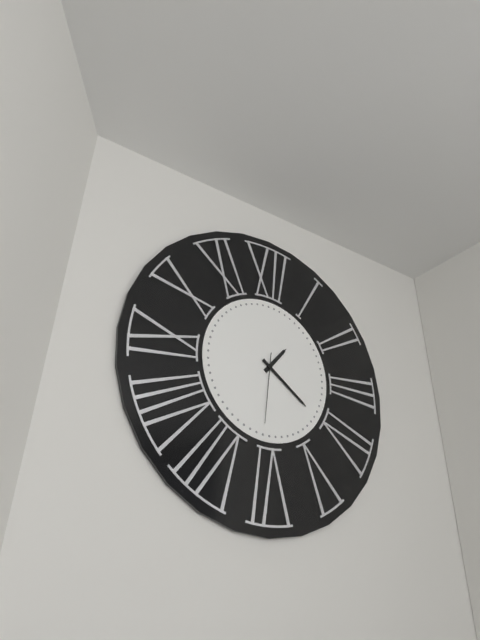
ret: {"hour": 1, "minute": 21, "second": 31}
